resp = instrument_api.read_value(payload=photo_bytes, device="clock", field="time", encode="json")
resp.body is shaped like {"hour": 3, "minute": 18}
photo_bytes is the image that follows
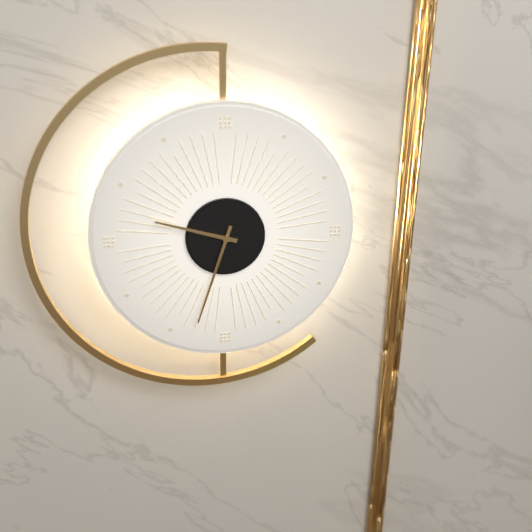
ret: {"hour": 9, "minute": 33}
